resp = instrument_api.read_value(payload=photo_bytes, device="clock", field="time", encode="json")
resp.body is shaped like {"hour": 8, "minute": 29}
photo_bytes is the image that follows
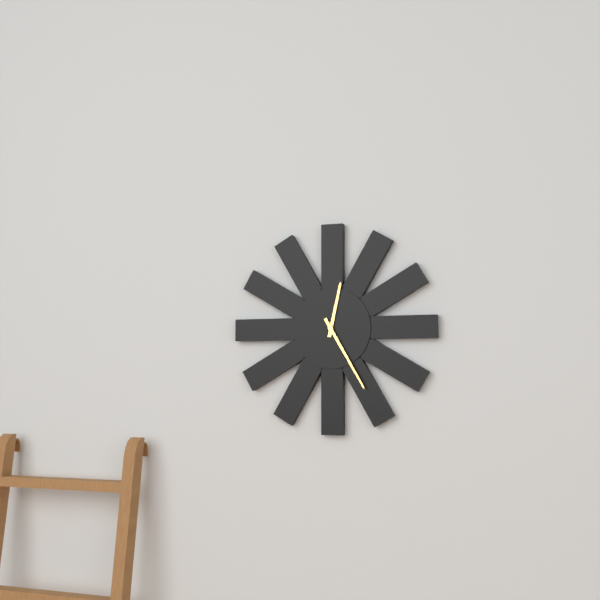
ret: {"hour": 12, "minute": 25}
